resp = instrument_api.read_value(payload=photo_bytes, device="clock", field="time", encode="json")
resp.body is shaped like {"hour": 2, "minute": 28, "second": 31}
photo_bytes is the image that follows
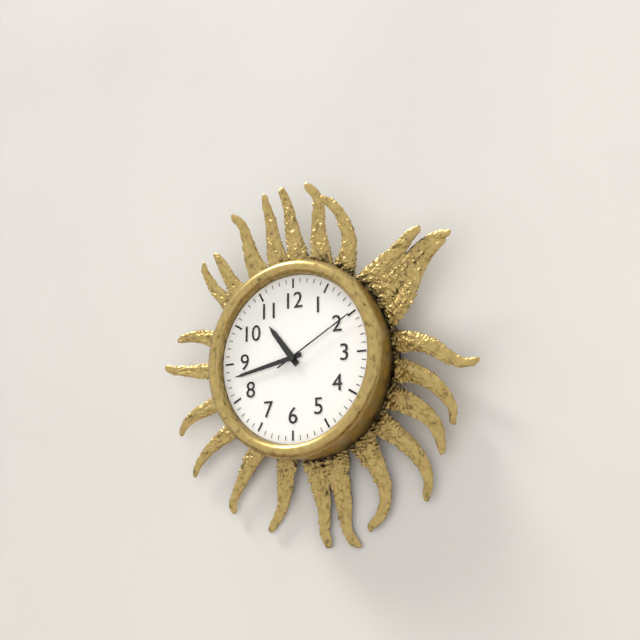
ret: {"hour": 10, "minute": 43, "second": 10}
